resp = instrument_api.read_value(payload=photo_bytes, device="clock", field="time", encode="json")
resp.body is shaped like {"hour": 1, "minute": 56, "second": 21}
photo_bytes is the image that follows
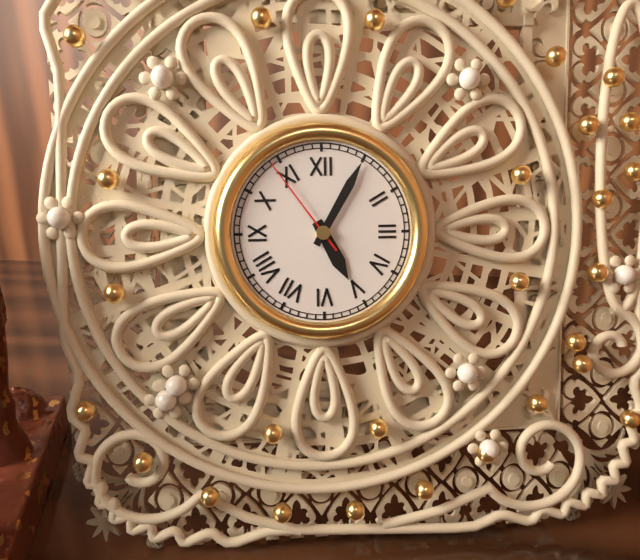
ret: {"hour": 5, "minute": 5, "second": 54}
